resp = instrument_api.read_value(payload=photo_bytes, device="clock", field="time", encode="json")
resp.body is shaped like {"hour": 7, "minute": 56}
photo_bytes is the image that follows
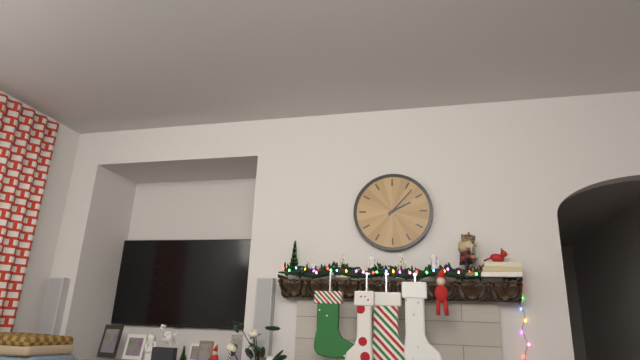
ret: {"hour": 2, "minute": 7}
